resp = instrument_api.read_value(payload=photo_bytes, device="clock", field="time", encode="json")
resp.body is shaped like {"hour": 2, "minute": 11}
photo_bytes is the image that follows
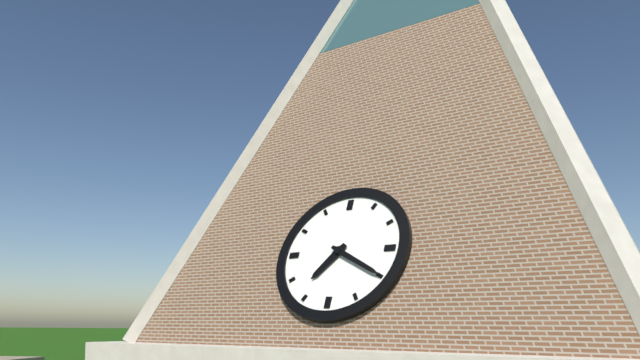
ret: {"hour": 7, "minute": 20}
